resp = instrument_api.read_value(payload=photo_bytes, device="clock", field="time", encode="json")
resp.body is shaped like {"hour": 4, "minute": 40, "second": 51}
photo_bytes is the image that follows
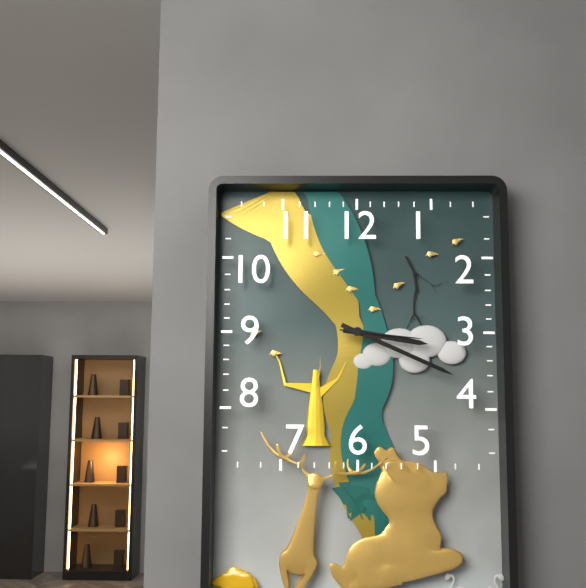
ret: {"hour": 3, "minute": 19, "second": 16}
